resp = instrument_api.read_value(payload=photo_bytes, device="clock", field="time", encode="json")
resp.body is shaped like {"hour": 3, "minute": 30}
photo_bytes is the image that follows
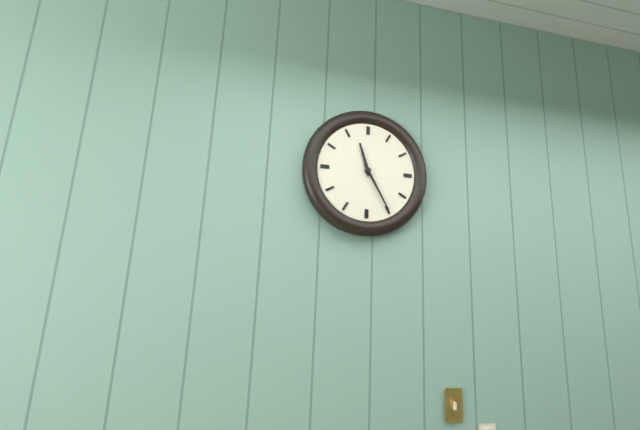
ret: {"hour": 11, "minute": 25}
